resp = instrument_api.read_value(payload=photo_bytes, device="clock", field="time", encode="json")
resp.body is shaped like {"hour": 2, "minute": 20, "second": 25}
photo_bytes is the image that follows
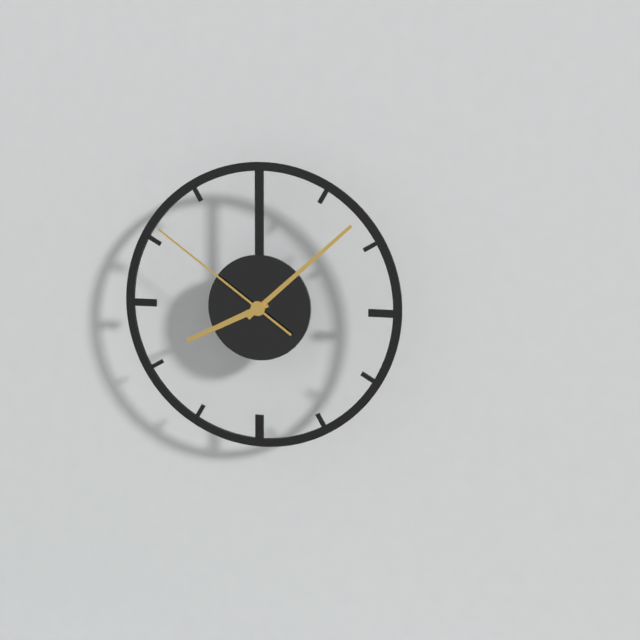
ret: {"hour": 8, "minute": 8, "second": 51}
